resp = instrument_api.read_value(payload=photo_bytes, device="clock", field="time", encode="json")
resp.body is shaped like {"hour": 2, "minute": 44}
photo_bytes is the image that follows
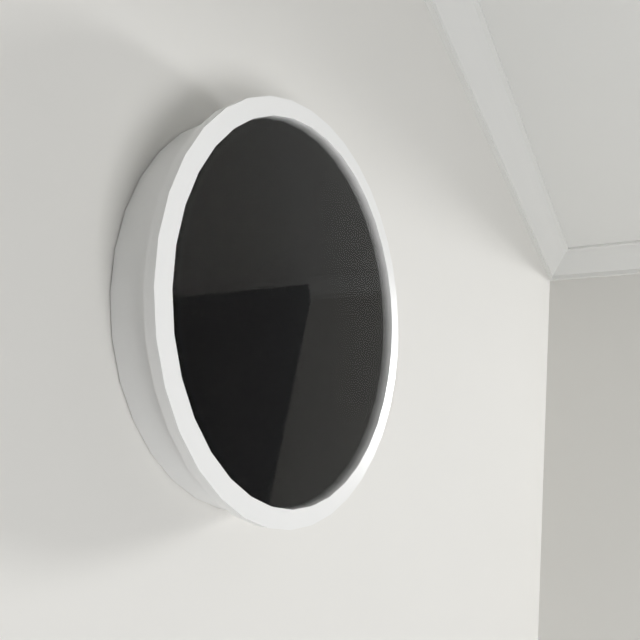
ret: {"hour": 3, "minute": 6}
